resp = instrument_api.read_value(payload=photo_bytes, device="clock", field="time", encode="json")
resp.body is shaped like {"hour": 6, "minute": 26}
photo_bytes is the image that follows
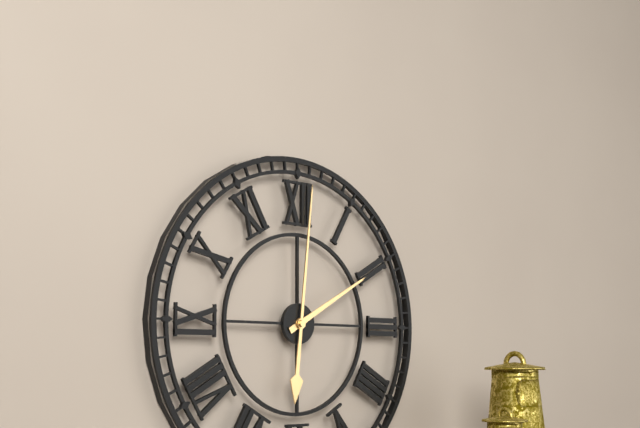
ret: {"hour": 2, "minute": 1}
